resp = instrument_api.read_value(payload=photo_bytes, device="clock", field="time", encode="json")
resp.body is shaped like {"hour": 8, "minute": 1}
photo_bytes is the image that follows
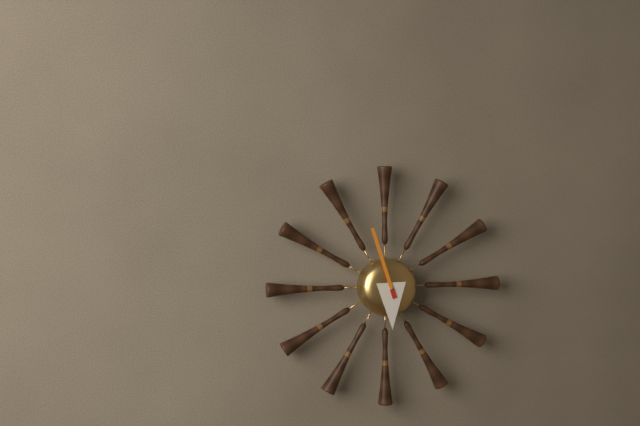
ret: {"hour": 5, "minute": 57}
